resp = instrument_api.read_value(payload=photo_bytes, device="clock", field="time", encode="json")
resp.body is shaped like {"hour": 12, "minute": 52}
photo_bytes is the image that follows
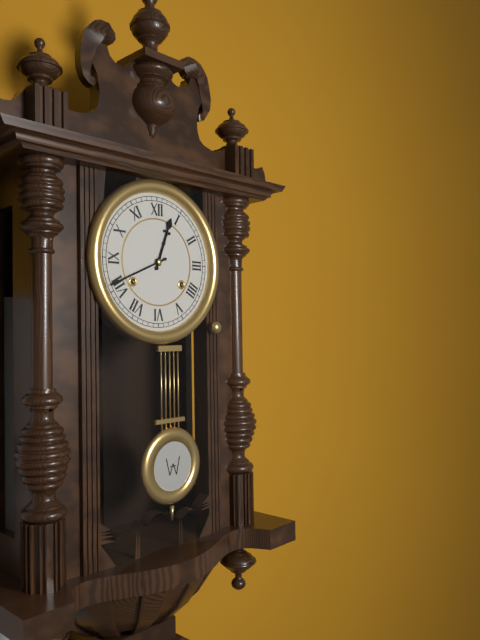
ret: {"hour": 12, "minute": 41}
